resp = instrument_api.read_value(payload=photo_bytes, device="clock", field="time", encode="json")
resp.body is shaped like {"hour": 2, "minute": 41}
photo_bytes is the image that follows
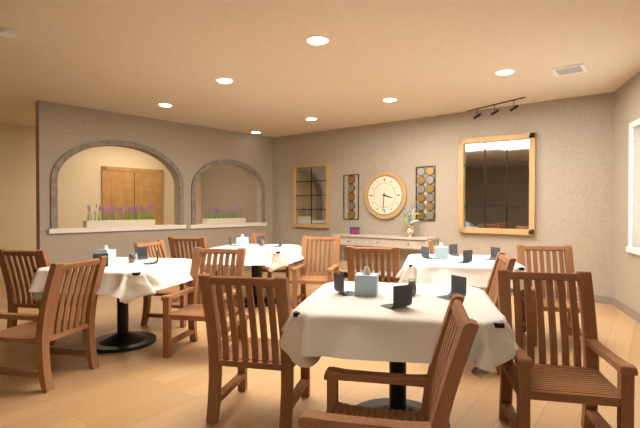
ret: {"hour": 3, "minute": 31}
